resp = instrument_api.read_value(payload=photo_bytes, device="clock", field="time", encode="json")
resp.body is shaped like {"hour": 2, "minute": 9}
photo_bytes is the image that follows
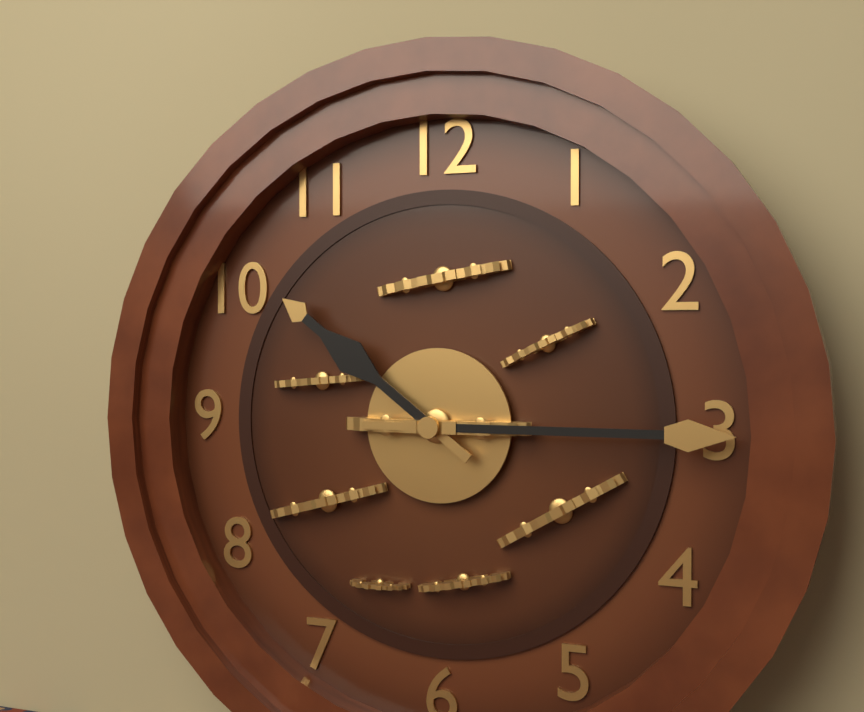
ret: {"hour": 10, "minute": 15}
